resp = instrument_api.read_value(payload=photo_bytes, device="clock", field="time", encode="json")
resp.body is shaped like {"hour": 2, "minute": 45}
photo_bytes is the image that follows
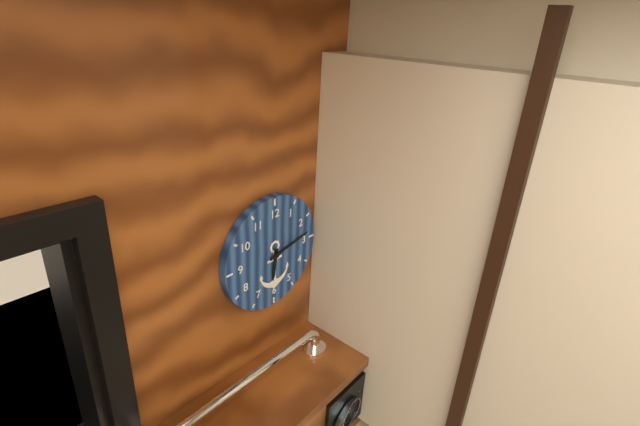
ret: {"hour": 6, "minute": 13}
